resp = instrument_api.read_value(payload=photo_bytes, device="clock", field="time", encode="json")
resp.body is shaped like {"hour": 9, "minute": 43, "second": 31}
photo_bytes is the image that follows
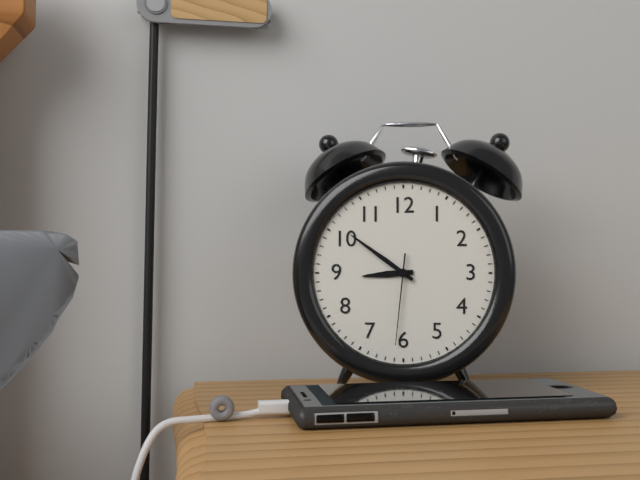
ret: {"hour": 8, "minute": 51, "second": 31}
